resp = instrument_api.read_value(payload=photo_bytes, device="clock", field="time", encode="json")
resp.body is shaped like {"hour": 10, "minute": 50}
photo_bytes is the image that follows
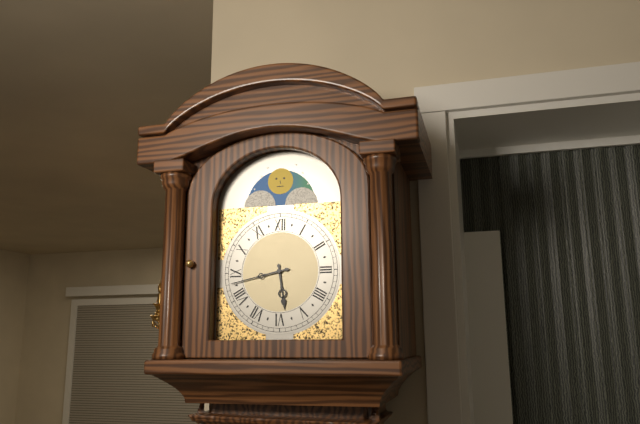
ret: {"hour": 5, "minute": 43}
